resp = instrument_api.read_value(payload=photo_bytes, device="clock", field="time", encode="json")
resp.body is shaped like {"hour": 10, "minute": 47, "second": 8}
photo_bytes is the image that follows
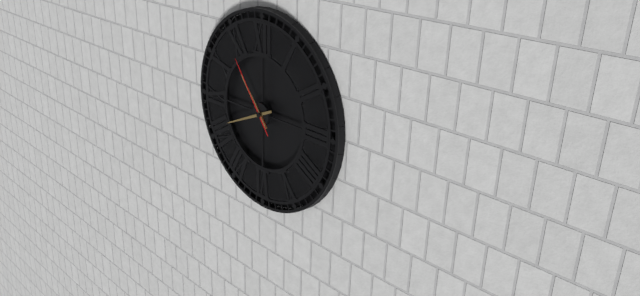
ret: {"hour": 10, "minute": 41, "second": 54}
